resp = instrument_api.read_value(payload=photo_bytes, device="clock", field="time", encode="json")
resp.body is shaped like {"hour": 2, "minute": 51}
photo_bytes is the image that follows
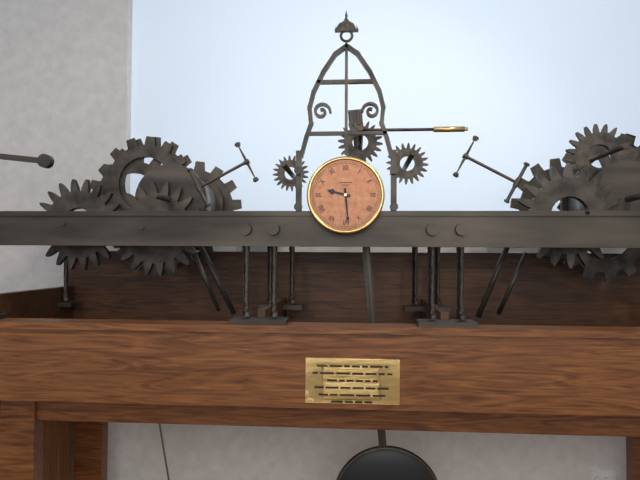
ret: {"hour": 9, "minute": 29}
